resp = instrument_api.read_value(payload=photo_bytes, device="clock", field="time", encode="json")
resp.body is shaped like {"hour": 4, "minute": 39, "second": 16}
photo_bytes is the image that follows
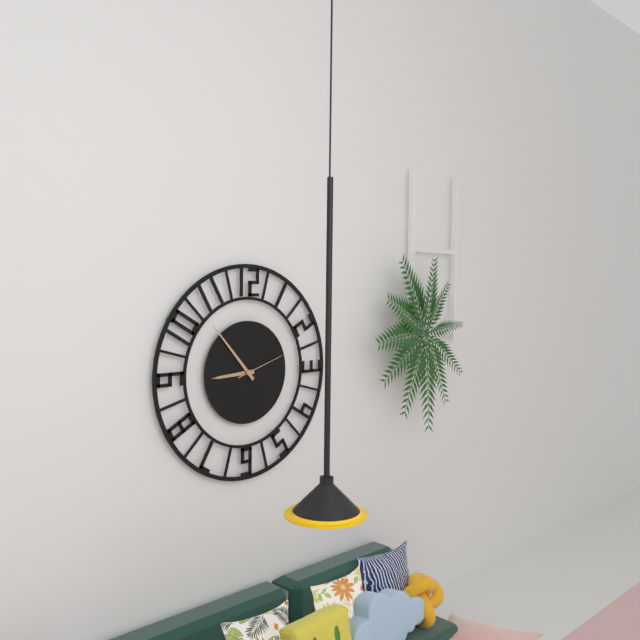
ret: {"hour": 8, "minute": 53, "second": 12}
